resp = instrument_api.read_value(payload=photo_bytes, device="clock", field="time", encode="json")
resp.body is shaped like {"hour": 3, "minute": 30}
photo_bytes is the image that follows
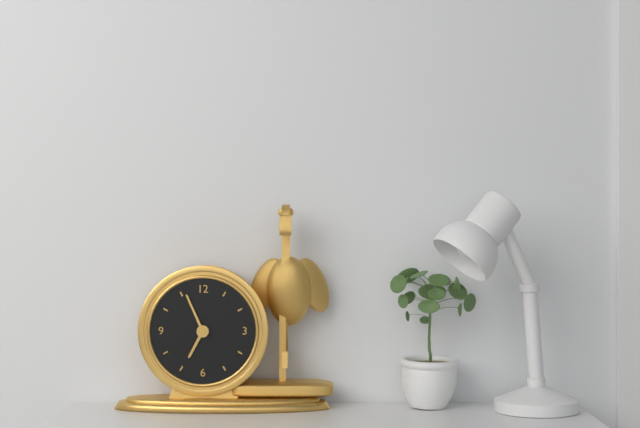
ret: {"hour": 6, "minute": 56}
